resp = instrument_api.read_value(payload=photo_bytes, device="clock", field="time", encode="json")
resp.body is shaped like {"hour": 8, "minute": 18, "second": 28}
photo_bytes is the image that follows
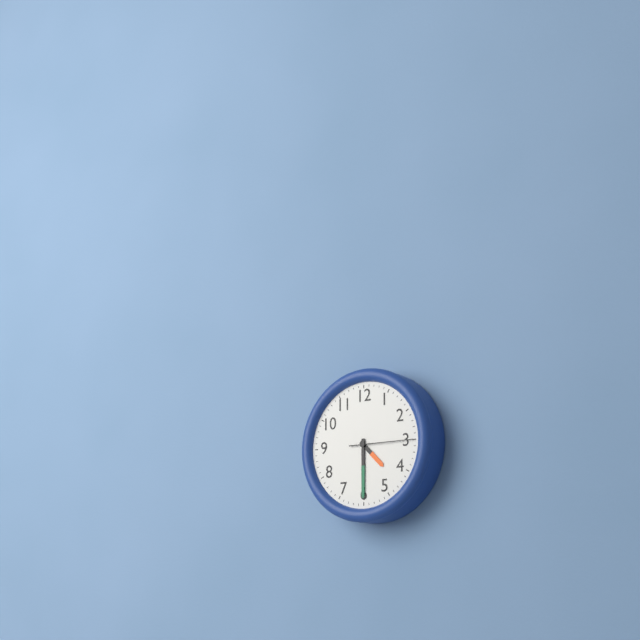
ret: {"hour": 4, "minute": 30, "second": 15}
